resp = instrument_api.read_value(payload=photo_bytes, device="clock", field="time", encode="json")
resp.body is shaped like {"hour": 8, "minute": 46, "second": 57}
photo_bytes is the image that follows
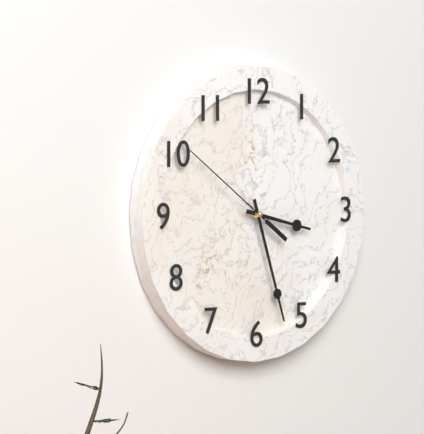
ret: {"hour": 3, "minute": 27, "second": 51}
